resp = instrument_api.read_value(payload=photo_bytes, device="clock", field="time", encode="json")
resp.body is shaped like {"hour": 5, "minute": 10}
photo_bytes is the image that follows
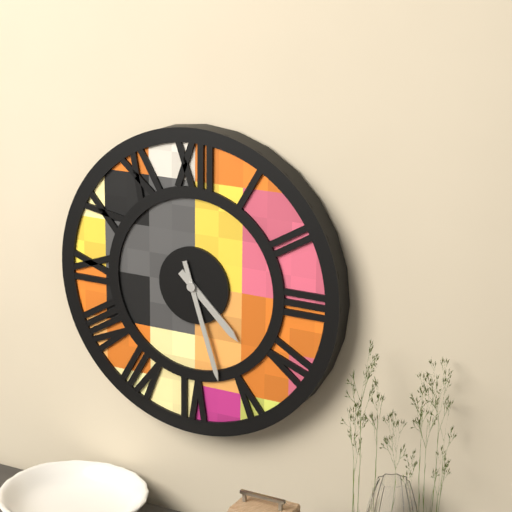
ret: {"hour": 4, "minute": 27}
